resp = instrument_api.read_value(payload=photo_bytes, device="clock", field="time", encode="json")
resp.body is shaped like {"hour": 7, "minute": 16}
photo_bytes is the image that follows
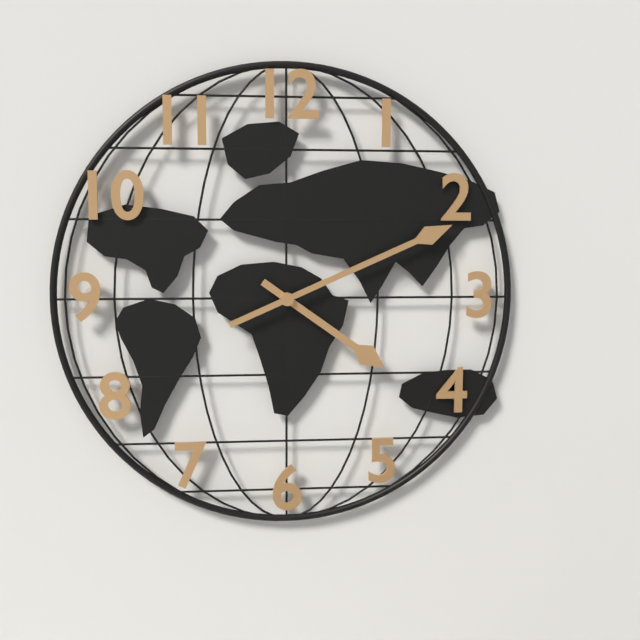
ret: {"hour": 4, "minute": 11}
